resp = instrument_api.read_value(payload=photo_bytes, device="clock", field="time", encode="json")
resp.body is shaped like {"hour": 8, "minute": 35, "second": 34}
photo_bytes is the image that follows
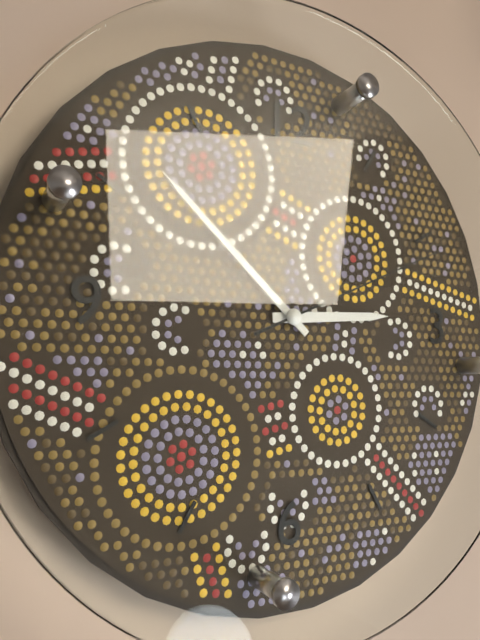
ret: {"hour": 2, "minute": 52, "second": 11}
